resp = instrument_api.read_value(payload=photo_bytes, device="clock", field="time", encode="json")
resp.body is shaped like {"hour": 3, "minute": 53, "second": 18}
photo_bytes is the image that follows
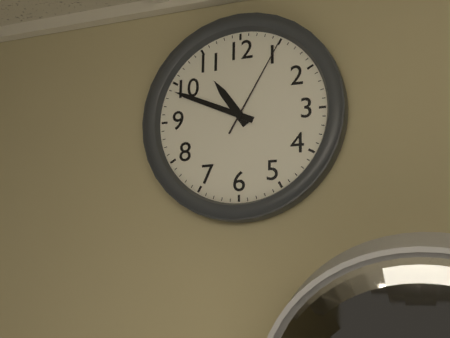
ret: {"hour": 10, "minute": 49, "second": 5}
